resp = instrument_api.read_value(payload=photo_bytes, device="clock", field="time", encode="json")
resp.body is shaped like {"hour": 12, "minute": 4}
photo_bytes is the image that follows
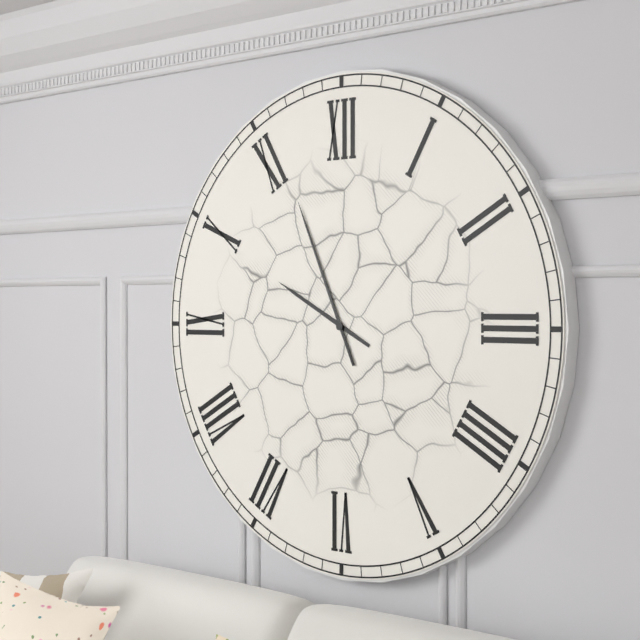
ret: {"hour": 9, "minute": 56}
